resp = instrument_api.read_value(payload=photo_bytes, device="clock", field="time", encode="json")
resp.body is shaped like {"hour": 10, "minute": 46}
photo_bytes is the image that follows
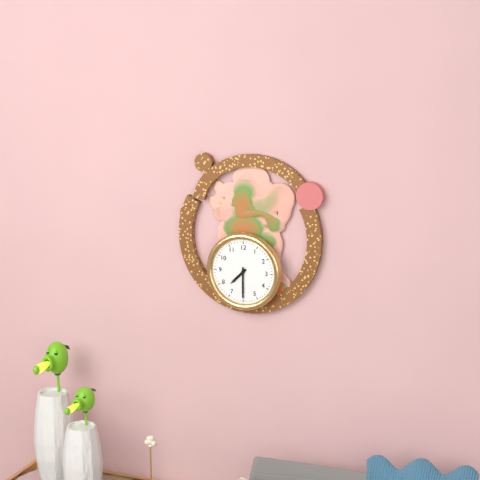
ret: {"hour": 7, "minute": 30}
